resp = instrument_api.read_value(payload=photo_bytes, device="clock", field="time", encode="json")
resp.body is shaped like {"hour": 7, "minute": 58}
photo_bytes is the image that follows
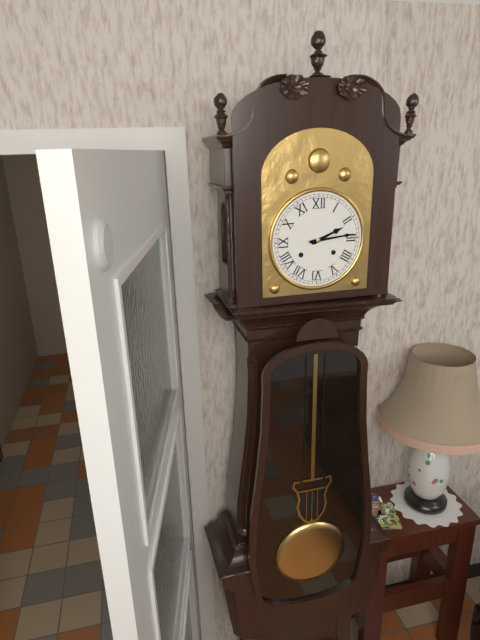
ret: {"hour": 2, "minute": 14}
